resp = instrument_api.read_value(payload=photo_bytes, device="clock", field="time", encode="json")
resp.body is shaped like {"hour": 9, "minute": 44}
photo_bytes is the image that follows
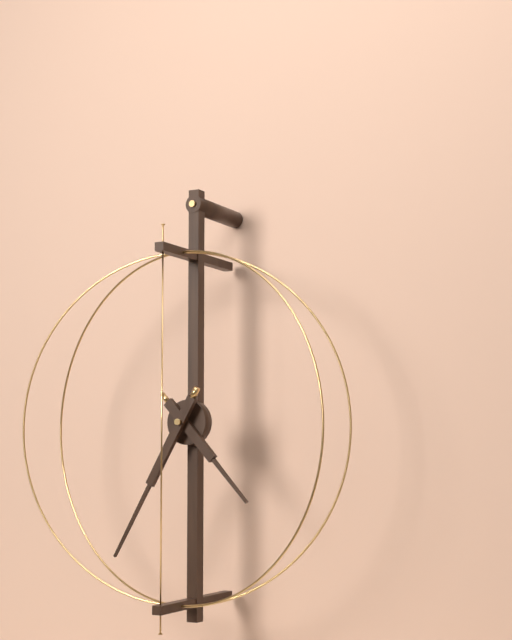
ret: {"hour": 4, "minute": 35}
